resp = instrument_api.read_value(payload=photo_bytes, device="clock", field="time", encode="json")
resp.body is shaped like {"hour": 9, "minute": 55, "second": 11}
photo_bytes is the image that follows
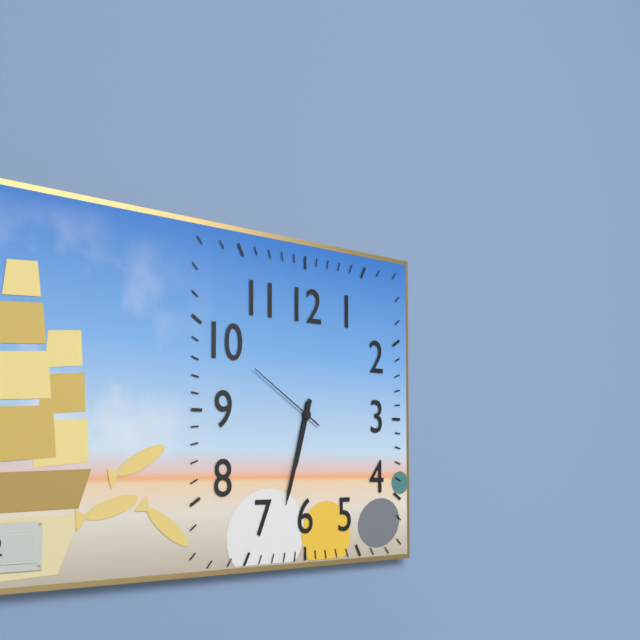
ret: {"hour": 6, "minute": 33, "second": 50}
